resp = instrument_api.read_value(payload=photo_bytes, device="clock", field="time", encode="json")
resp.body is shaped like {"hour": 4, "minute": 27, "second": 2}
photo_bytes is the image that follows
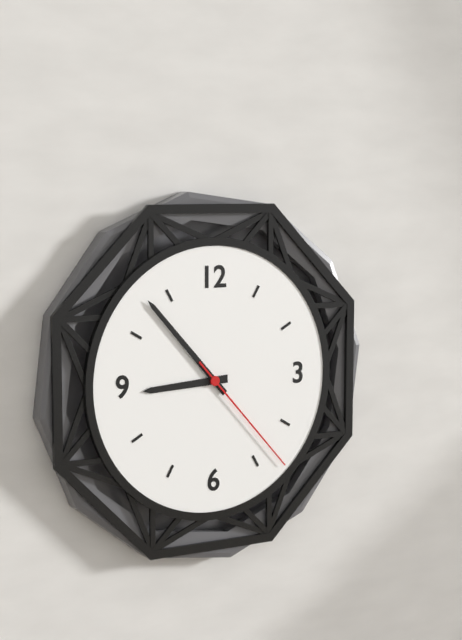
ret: {"hour": 8, "minute": 53, "second": 23}
